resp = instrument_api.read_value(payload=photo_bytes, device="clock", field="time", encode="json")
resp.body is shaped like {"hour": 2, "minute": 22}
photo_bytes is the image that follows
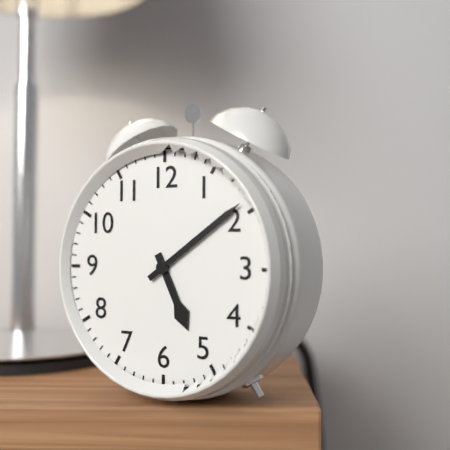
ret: {"hour": 5, "minute": 9}
